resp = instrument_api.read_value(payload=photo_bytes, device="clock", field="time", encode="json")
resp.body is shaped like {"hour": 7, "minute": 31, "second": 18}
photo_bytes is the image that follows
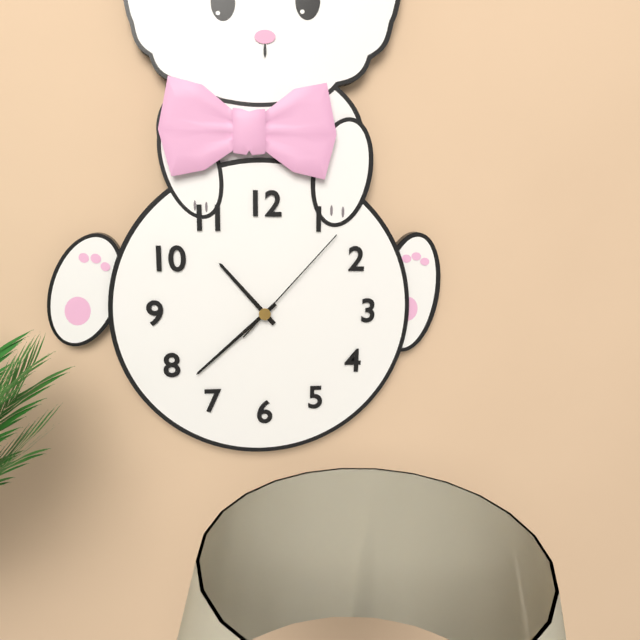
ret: {"hour": 10, "minute": 38, "second": 7}
